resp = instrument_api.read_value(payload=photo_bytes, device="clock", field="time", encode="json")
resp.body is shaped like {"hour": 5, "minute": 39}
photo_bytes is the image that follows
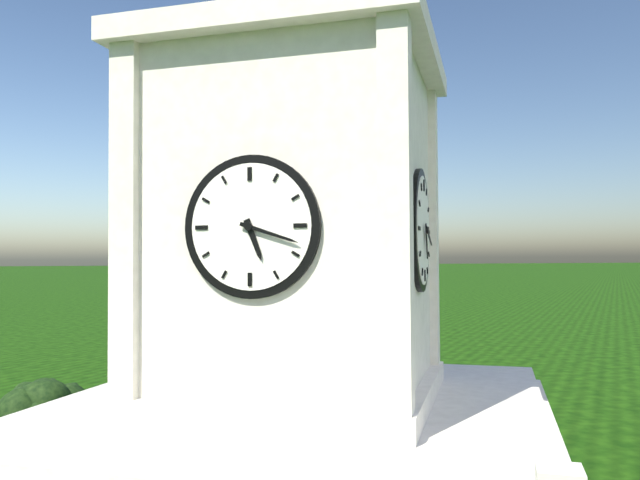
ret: {"hour": 5, "minute": 18}
